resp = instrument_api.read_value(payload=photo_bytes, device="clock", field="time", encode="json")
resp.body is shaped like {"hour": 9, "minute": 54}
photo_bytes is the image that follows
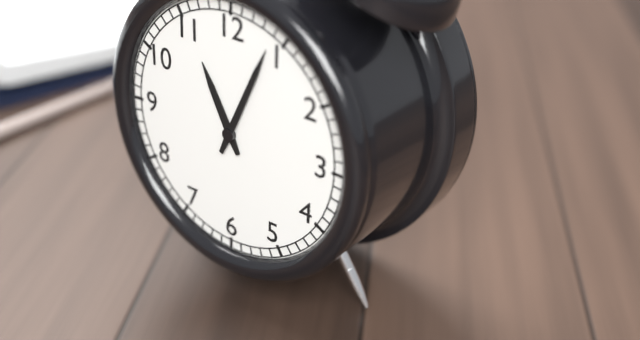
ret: {"hour": 11, "minute": 4}
